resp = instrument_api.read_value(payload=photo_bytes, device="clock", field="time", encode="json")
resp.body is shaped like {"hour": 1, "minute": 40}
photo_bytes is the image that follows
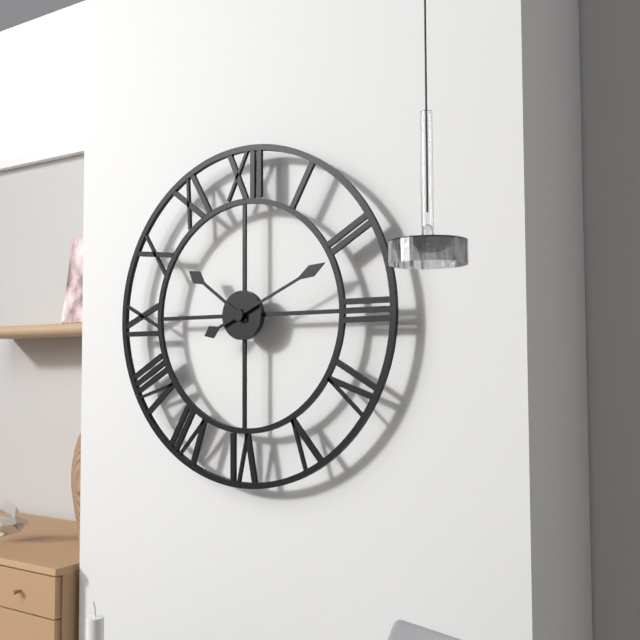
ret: {"hour": 10, "minute": 11}
